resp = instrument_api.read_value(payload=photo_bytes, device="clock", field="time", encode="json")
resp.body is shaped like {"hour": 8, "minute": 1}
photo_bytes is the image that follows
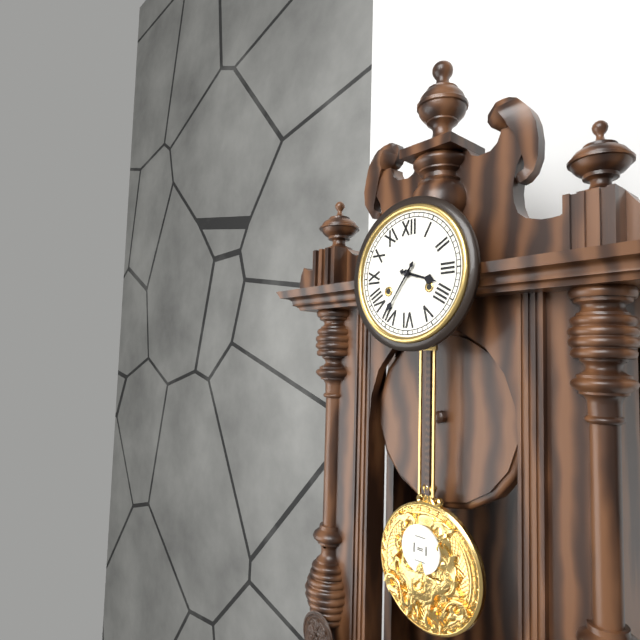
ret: {"hour": 3, "minute": 36}
